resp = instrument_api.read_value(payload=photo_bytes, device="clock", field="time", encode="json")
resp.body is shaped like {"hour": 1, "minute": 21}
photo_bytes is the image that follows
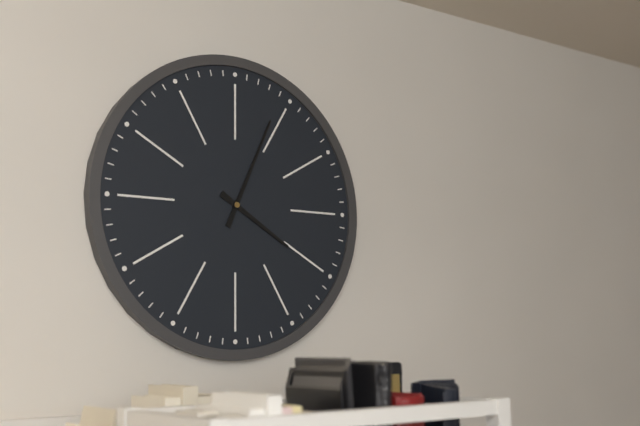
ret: {"hour": 4, "minute": 4}
